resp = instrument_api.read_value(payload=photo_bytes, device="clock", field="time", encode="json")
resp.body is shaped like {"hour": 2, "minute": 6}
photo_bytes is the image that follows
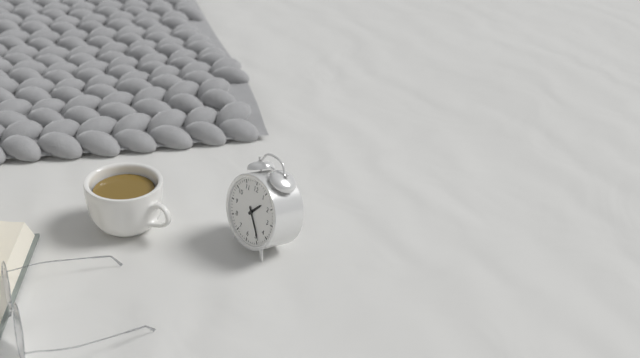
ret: {"hour": 1, "minute": 24}
